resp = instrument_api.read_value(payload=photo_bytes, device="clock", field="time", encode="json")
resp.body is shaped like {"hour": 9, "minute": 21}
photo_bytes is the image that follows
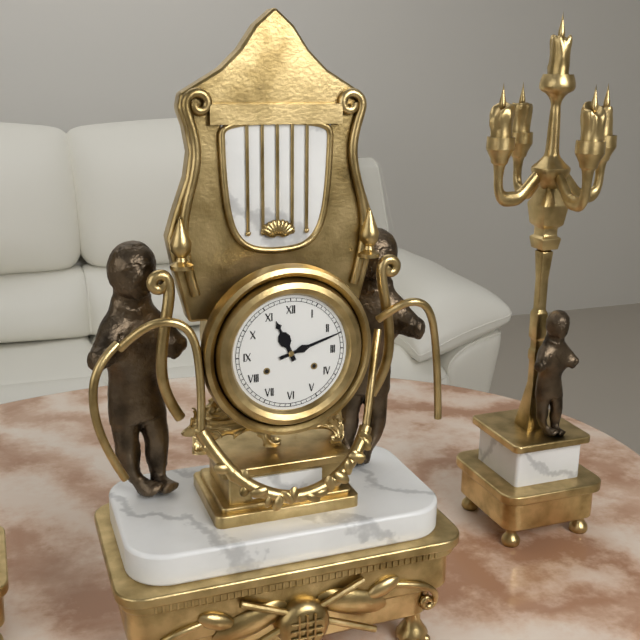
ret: {"hour": 11, "minute": 12}
